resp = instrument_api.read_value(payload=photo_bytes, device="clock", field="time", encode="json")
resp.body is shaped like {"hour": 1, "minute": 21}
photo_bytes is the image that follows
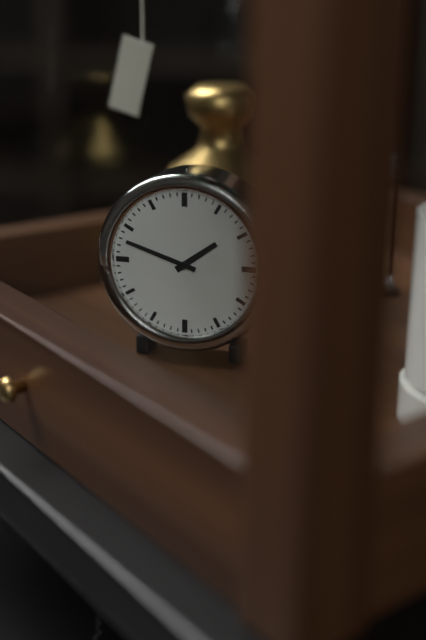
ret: {"hour": 1, "minute": 48}
